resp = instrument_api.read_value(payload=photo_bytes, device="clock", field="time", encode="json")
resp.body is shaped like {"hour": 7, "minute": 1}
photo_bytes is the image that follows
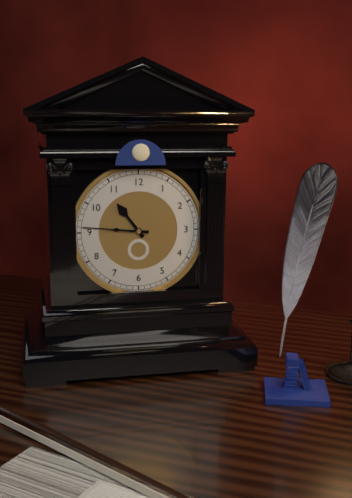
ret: {"hour": 10, "minute": 46}
